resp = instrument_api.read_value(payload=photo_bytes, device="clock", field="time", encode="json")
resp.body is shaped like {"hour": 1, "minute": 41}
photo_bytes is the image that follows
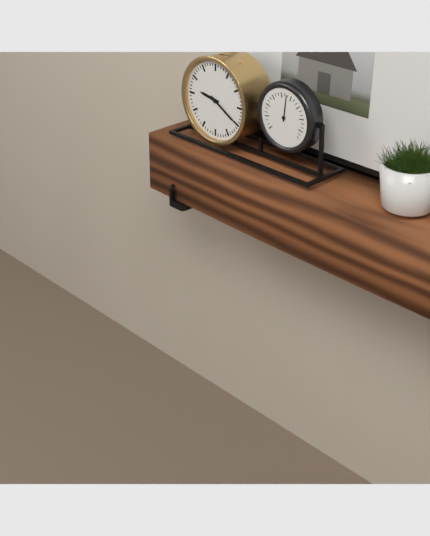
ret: {"hour": 9, "minute": 20}
